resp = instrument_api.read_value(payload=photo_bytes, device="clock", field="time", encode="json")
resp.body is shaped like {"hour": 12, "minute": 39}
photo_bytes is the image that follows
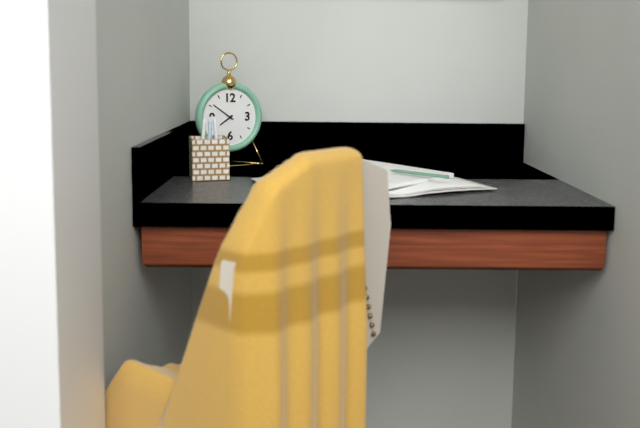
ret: {"hour": 7, "minute": 51}
